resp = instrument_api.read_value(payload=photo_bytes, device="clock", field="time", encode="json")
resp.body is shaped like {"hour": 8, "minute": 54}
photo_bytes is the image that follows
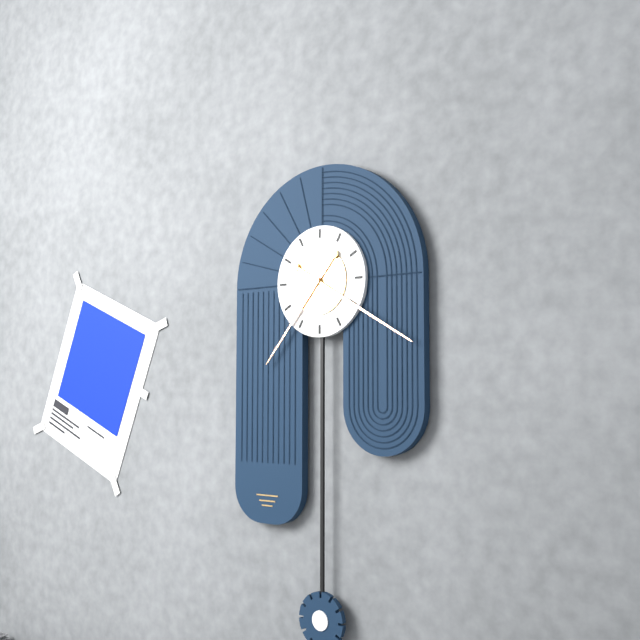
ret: {"hour": 7, "minute": 20}
